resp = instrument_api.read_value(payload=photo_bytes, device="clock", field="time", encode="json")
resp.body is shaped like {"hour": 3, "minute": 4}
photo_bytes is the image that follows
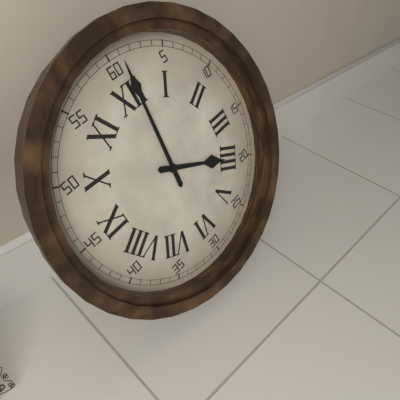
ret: {"hour": 4, "minute": 1}
